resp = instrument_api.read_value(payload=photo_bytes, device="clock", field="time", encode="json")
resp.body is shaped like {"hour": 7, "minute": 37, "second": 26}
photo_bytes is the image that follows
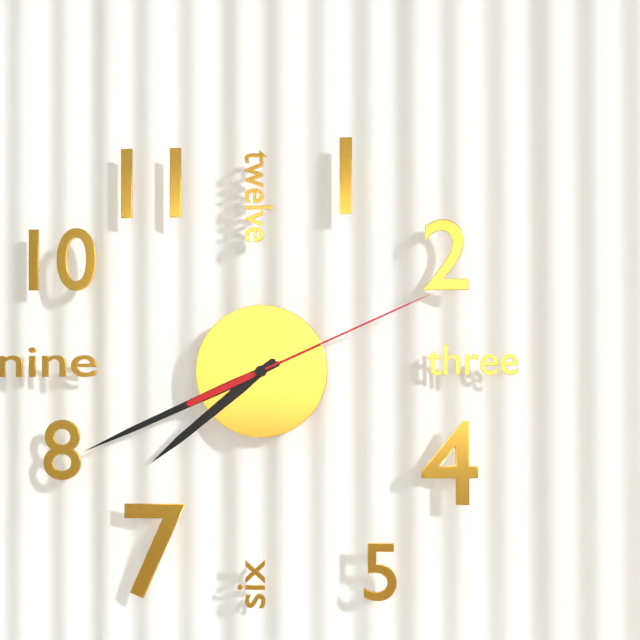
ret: {"hour": 7, "minute": 41, "second": 11}
